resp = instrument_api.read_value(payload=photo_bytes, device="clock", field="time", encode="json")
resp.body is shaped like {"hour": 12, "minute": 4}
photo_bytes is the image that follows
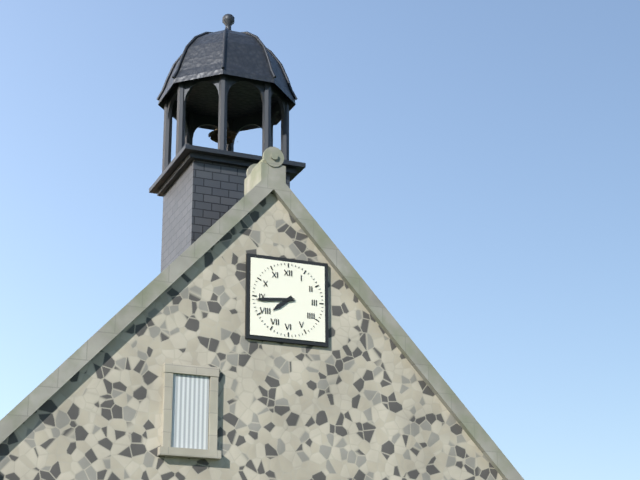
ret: {"hour": 7, "minute": 44}
